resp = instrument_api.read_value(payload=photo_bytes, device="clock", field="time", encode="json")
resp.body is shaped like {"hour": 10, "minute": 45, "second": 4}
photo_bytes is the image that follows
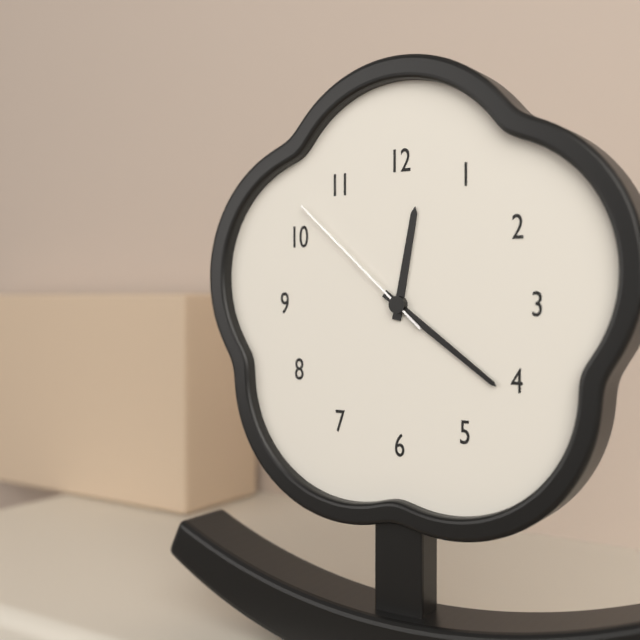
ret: {"hour": 12, "minute": 21, "second": 52}
